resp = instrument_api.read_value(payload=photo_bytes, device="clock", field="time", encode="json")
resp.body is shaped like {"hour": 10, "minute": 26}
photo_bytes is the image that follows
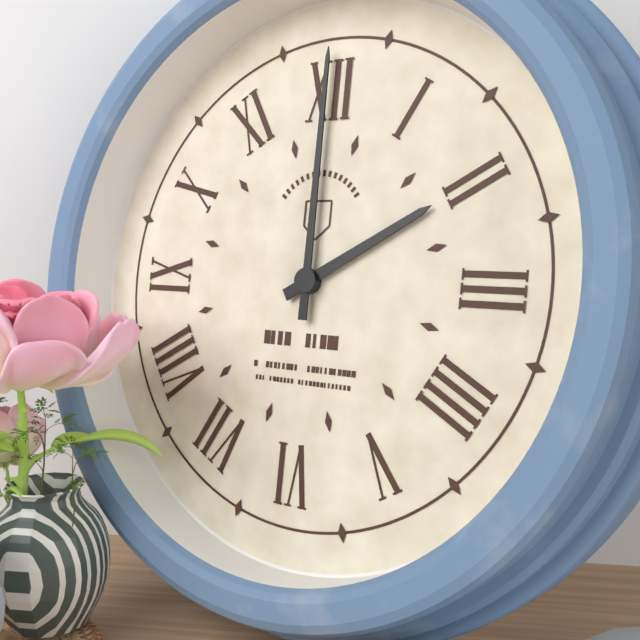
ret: {"hour": 2, "minute": 0}
